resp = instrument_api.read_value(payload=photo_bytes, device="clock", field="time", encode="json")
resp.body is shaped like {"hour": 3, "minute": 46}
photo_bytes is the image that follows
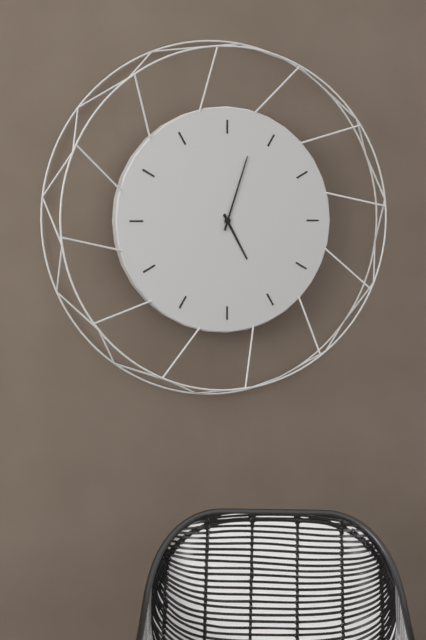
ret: {"hour": 5, "minute": 3}
